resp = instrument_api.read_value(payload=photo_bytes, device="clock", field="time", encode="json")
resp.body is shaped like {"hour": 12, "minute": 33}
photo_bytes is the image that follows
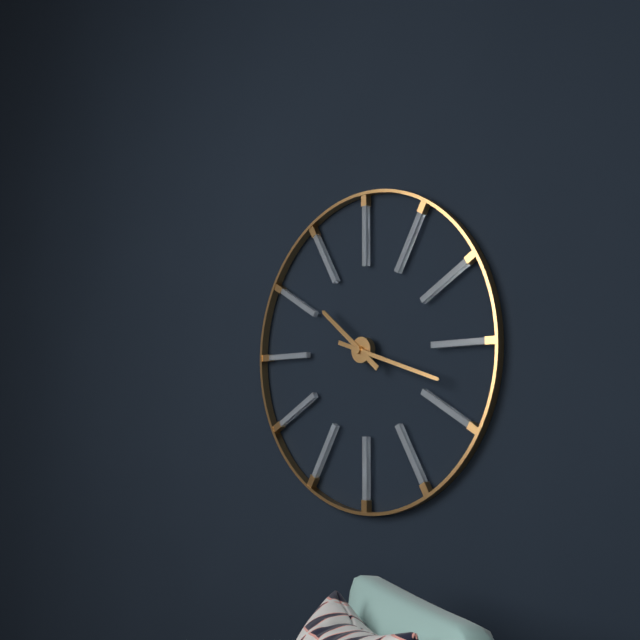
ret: {"hour": 10, "minute": 18}
